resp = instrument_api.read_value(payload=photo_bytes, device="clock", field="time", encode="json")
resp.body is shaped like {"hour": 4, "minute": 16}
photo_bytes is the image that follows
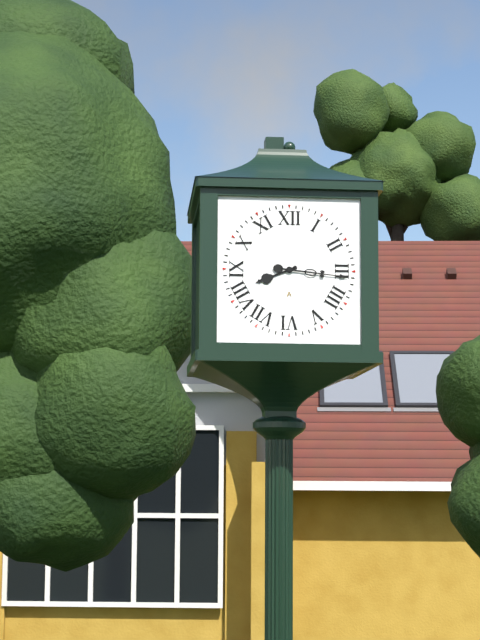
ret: {"hour": 8, "minute": 16}
